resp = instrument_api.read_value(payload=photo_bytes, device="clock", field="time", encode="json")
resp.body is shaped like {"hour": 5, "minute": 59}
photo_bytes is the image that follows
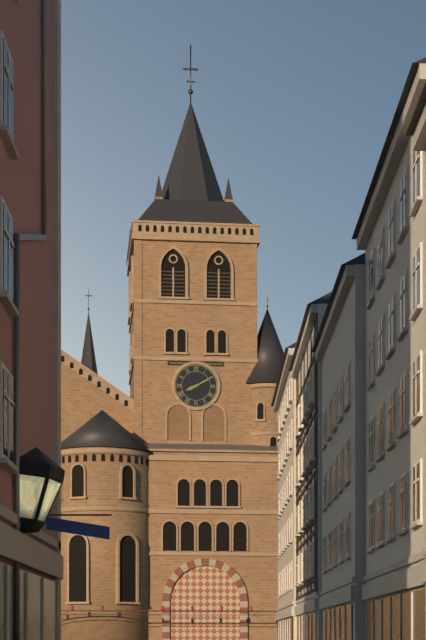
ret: {"hour": 8, "minute": 10}
